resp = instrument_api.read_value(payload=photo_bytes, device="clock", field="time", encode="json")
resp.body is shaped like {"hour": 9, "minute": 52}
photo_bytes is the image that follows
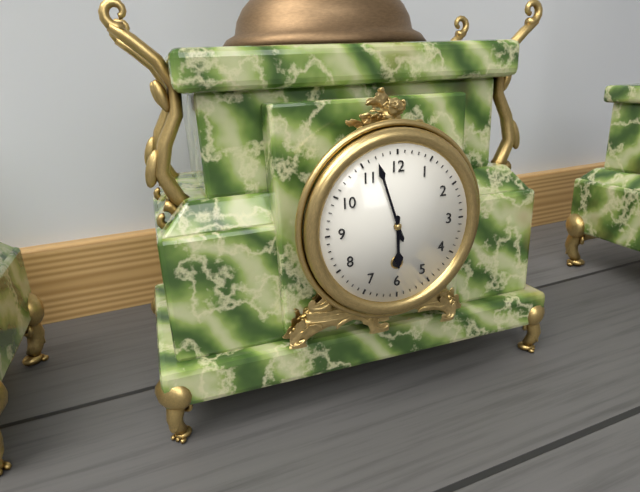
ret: {"hour": 5, "minute": 57}
